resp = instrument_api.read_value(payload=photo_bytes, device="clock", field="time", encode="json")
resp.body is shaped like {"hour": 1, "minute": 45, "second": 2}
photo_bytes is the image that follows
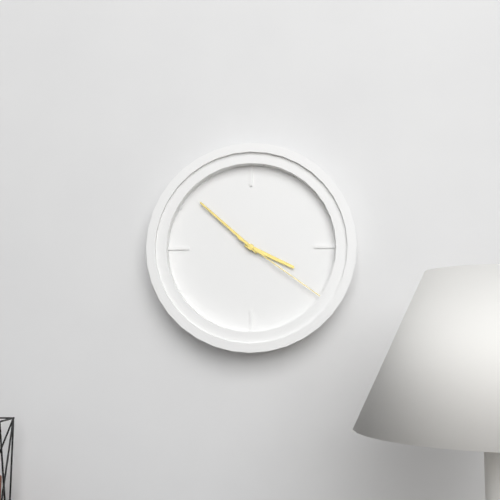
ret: {"hour": 3, "minute": 52, "second": 21}
